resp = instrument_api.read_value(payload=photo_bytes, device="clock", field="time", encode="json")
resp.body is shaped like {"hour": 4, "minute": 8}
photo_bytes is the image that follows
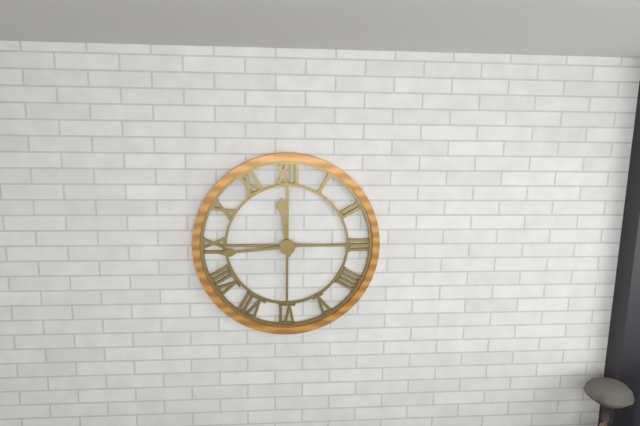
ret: {"hour": 11, "minute": 44}
